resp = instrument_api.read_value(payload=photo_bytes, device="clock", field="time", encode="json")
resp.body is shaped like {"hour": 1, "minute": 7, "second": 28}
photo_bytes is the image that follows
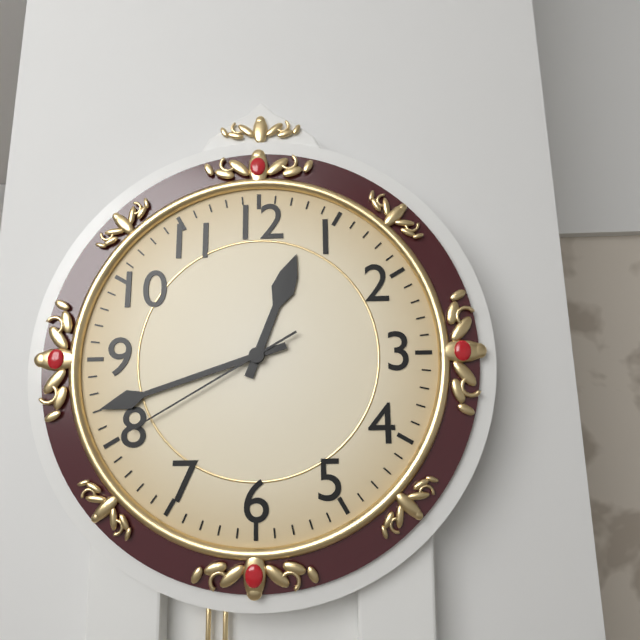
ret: {"hour": 12, "minute": 42, "second": 40}
